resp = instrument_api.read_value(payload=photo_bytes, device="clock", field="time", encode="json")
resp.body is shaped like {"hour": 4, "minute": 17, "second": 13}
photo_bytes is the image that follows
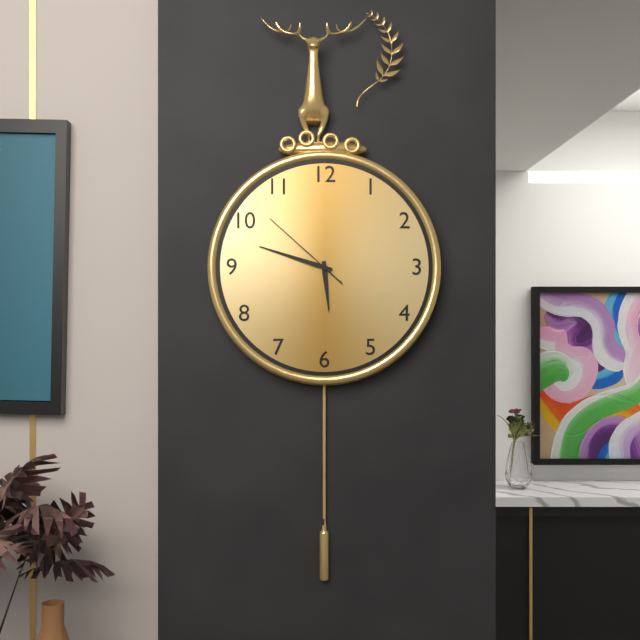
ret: {"hour": 5, "minute": 48, "second": 52}
